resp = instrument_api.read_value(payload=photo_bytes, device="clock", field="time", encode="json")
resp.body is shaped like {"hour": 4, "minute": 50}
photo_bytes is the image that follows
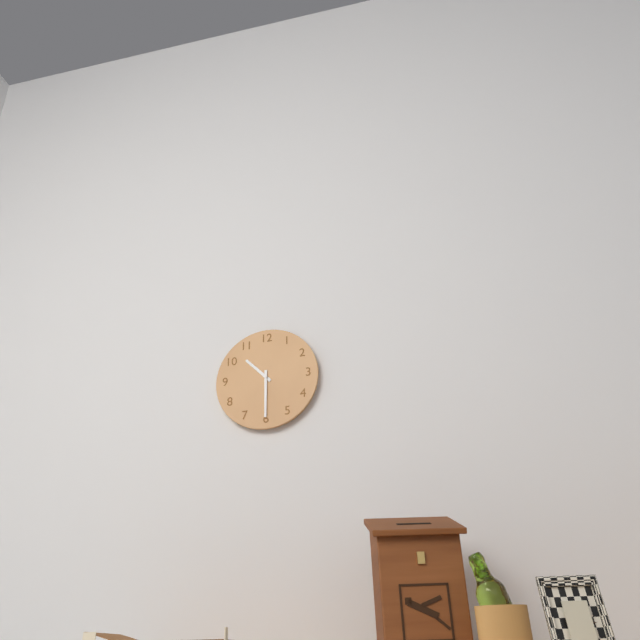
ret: {"hour": 10, "minute": 30}
